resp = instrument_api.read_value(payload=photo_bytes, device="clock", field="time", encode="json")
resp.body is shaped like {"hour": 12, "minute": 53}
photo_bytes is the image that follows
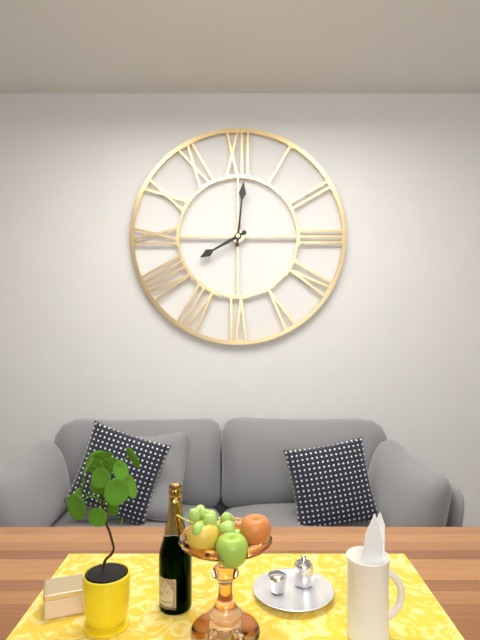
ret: {"hour": 8, "minute": 1}
